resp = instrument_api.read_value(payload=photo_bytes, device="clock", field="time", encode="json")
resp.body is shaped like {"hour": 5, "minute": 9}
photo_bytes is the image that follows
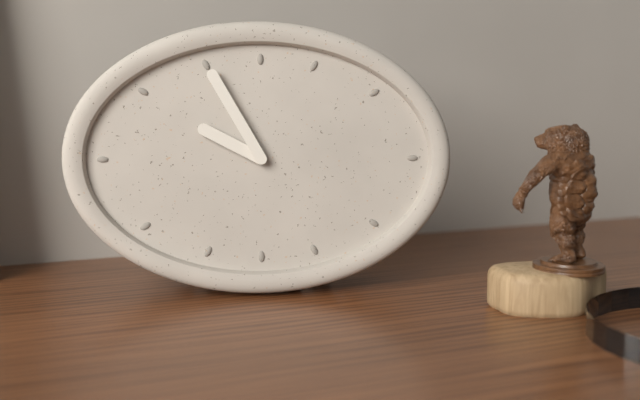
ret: {"hour": 9, "minute": 55}
